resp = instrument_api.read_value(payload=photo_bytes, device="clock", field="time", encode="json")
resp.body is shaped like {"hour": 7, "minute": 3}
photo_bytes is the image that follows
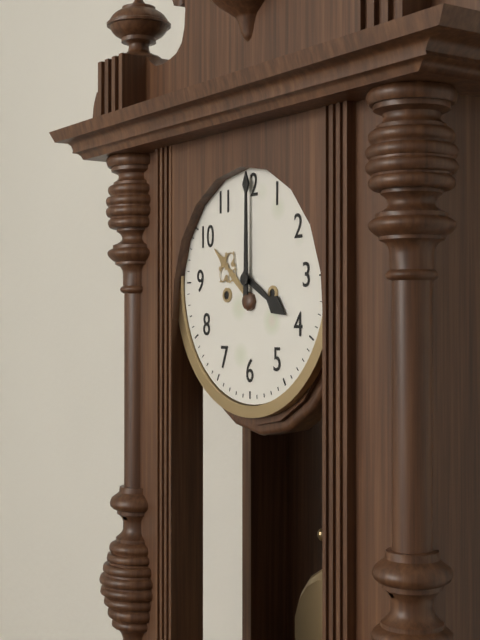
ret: {"hour": 4, "minute": 0}
